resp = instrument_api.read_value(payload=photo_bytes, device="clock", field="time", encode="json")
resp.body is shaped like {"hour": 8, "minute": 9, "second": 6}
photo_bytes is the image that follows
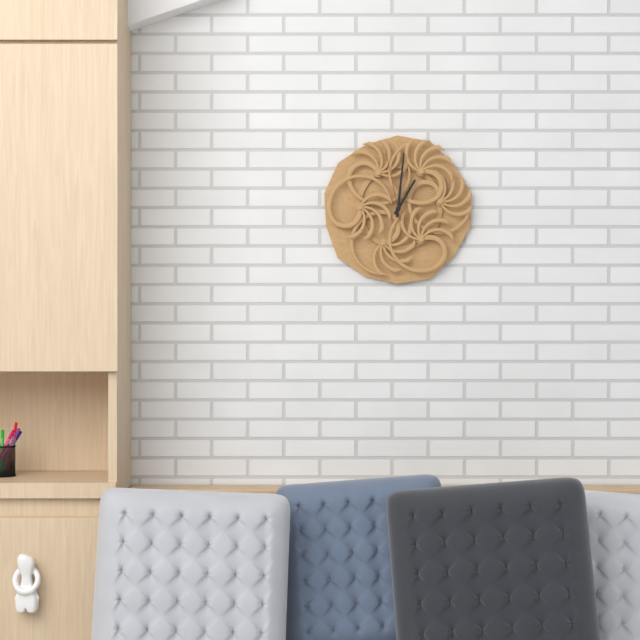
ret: {"hour": 1, "minute": 1, "second": 58}
